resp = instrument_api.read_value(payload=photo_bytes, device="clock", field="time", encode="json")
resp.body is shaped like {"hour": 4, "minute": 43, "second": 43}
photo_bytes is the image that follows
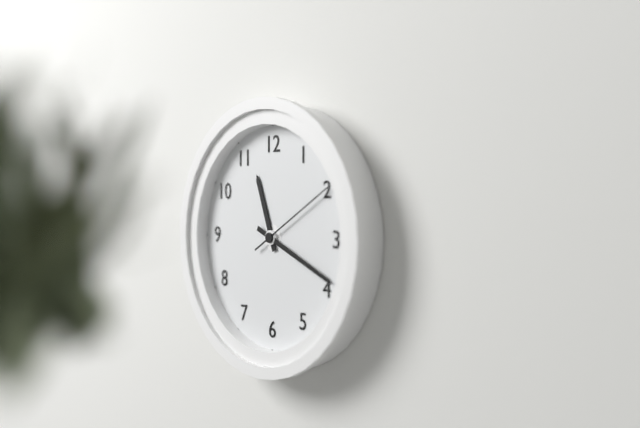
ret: {"hour": 11, "minute": 19, "second": 10}
